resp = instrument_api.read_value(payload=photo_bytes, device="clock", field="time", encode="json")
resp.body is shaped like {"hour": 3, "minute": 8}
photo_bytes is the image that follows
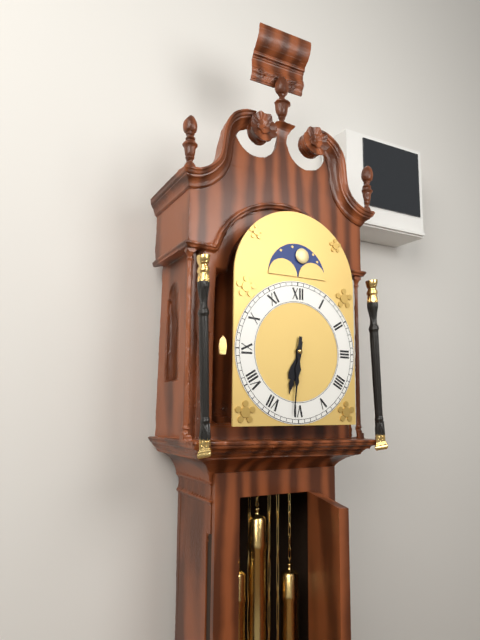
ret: {"hour": 6, "minute": 31}
